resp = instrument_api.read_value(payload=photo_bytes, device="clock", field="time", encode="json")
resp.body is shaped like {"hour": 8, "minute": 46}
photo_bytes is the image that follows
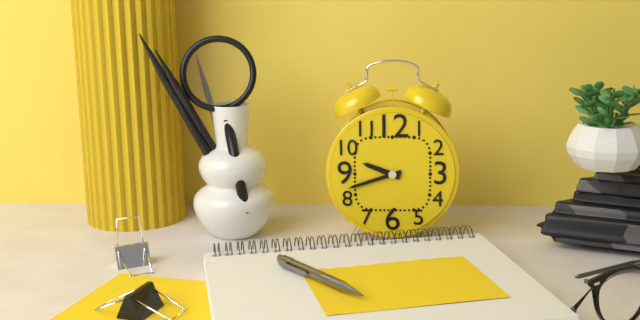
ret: {"hour": 9, "minute": 42}
